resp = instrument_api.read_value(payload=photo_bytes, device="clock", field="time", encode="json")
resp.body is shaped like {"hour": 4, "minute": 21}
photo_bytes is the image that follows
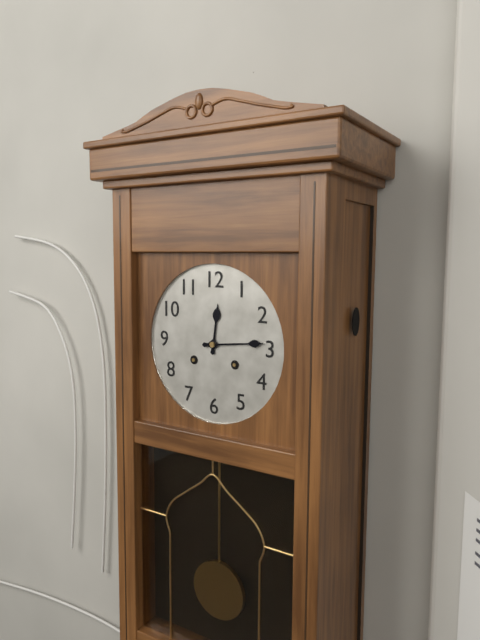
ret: {"hour": 12, "minute": 14}
